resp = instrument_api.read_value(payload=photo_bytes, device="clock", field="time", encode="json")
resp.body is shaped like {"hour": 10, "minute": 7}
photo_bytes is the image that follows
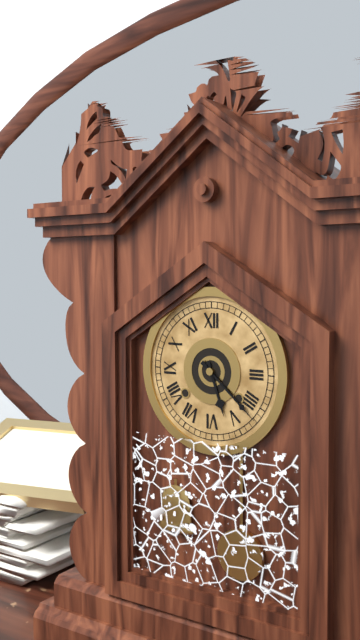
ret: {"hour": 5, "minute": 22}
